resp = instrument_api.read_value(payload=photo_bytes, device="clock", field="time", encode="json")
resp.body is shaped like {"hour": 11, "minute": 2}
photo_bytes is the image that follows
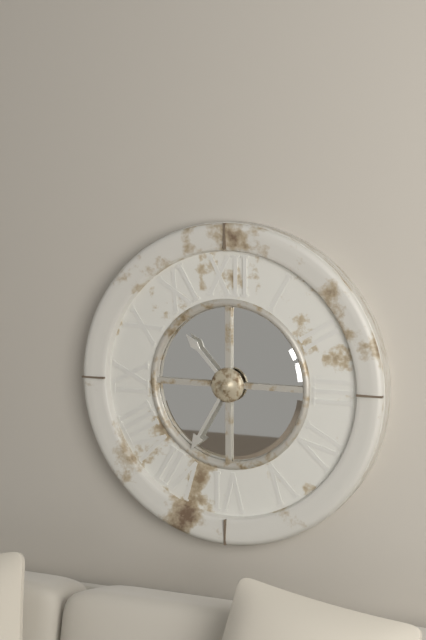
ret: {"hour": 10, "minute": 35}
